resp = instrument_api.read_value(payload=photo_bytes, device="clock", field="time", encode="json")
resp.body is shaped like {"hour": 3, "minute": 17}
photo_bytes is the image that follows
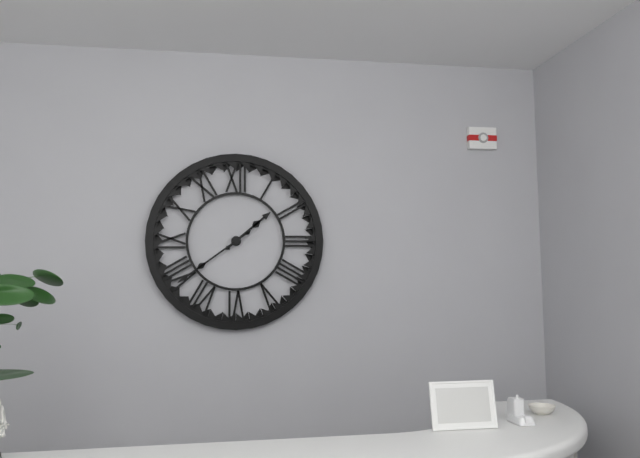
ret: {"hour": 1, "minute": 39}
